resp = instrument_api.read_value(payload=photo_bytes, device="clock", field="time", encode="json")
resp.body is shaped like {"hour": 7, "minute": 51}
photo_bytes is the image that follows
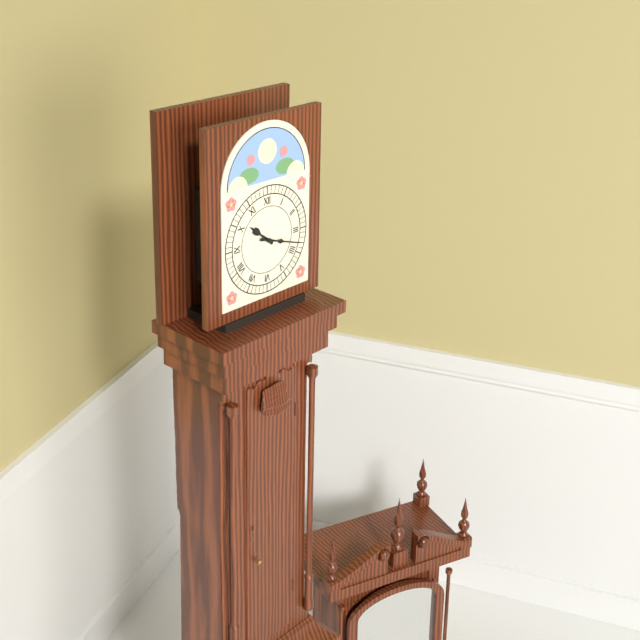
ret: {"hour": 10, "minute": 18}
